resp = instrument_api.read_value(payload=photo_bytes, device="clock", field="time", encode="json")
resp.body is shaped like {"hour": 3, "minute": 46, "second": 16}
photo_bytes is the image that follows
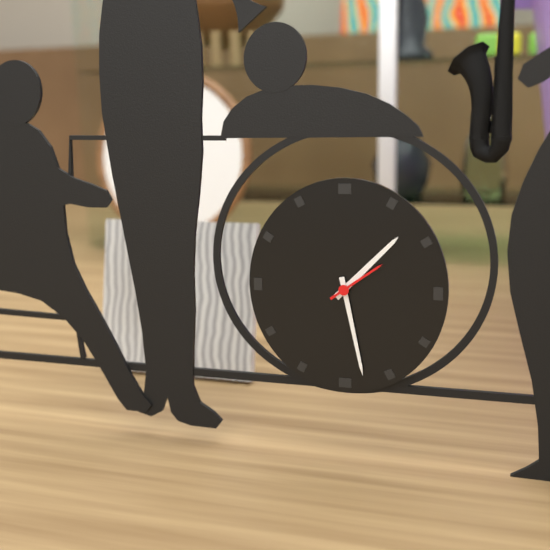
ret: {"hour": 1, "minute": 28, "second": 9}
